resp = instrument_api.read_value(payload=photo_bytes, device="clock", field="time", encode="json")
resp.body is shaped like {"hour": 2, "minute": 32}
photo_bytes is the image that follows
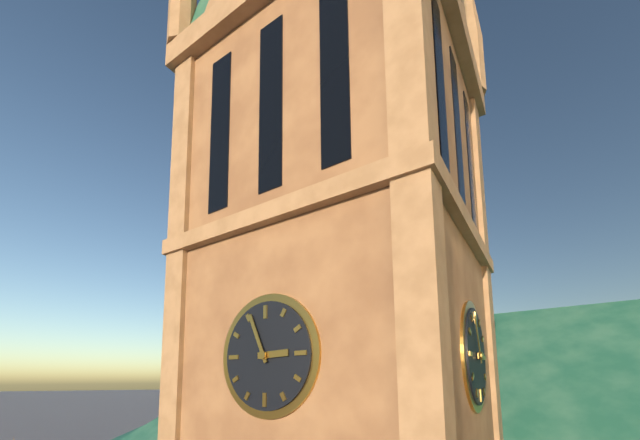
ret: {"hour": 2, "minute": 56}
